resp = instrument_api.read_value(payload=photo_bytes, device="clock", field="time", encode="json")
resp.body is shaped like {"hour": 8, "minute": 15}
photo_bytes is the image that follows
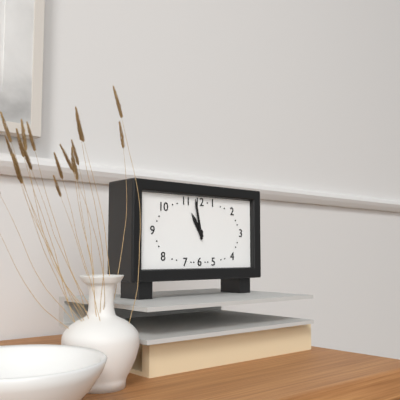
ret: {"hour": 10, "minute": 58}
